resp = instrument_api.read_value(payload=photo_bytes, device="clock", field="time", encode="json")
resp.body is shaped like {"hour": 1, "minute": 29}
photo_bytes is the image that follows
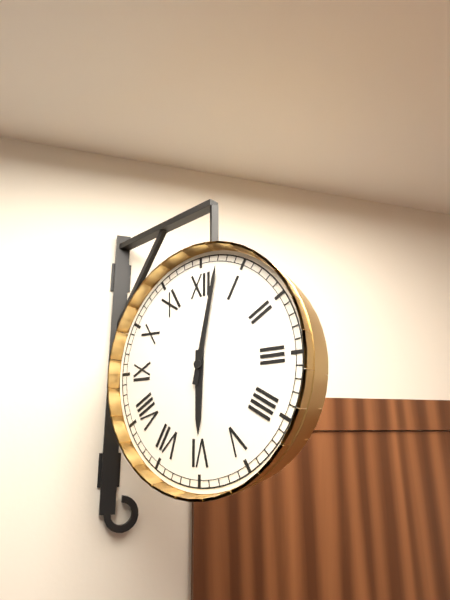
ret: {"hour": 6, "minute": 2}
